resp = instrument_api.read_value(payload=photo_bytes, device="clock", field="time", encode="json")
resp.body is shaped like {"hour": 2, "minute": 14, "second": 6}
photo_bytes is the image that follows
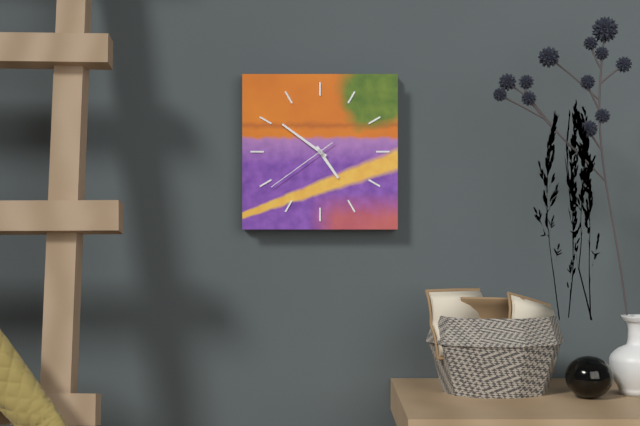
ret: {"hour": 4, "minute": 51, "second": 39}
